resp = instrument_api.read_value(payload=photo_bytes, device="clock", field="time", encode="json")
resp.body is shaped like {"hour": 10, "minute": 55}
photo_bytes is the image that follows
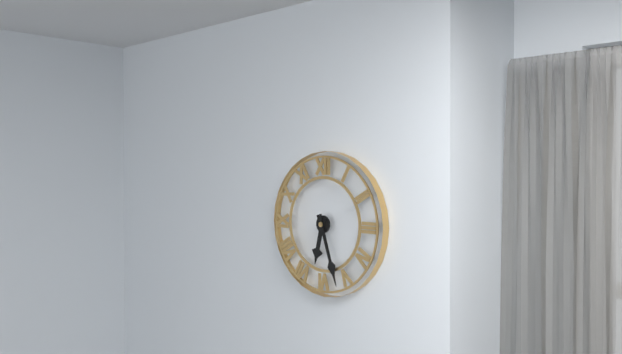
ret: {"hour": 6, "minute": 27}
